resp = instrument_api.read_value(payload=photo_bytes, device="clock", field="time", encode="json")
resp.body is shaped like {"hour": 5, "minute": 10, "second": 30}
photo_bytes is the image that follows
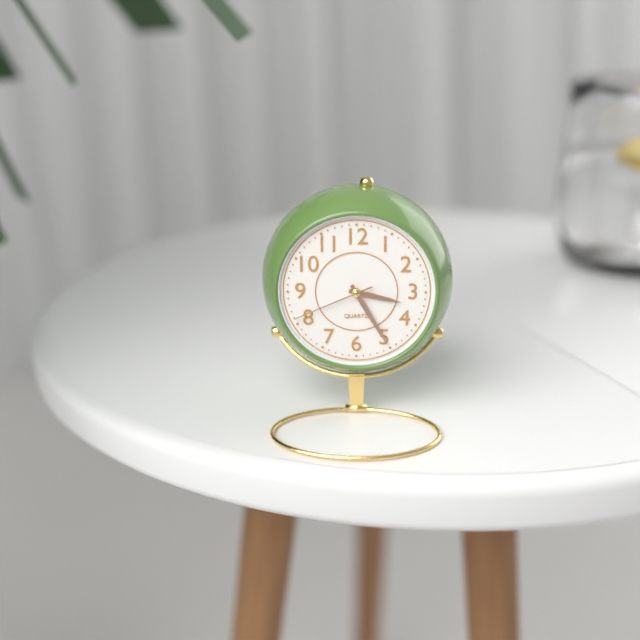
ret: {"hour": 3, "minute": 25, "second": 41}
